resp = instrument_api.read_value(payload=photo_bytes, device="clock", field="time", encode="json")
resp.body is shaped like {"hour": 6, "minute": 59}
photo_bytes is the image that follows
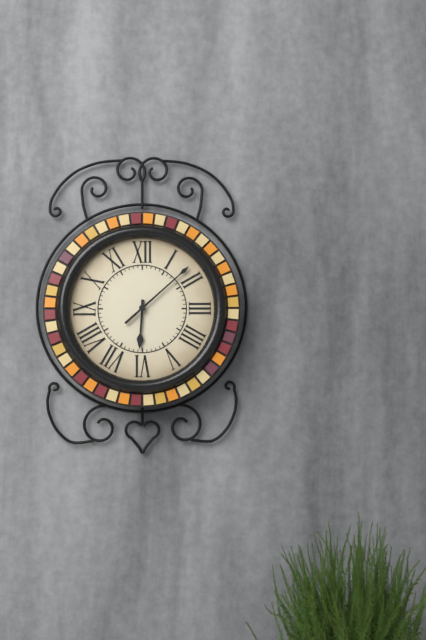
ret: {"hour": 6, "minute": 8}
